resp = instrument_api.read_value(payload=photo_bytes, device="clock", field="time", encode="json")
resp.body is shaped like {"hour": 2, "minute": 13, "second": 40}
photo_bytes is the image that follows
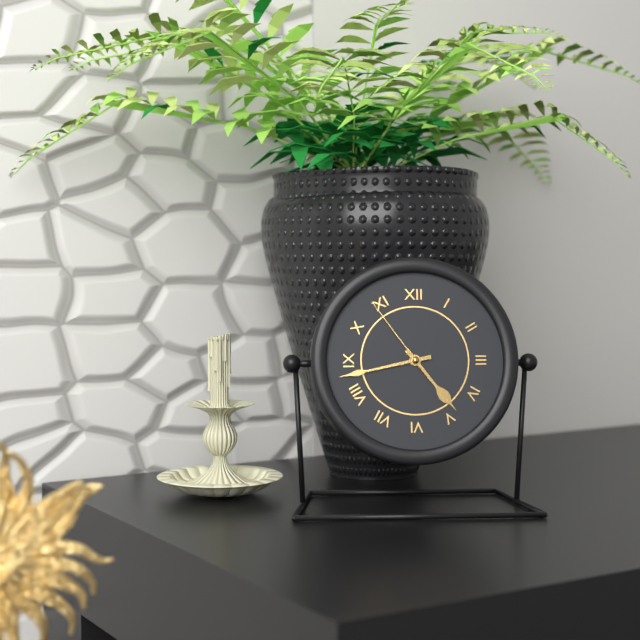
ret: {"hour": 4, "minute": 43, "second": 54}
